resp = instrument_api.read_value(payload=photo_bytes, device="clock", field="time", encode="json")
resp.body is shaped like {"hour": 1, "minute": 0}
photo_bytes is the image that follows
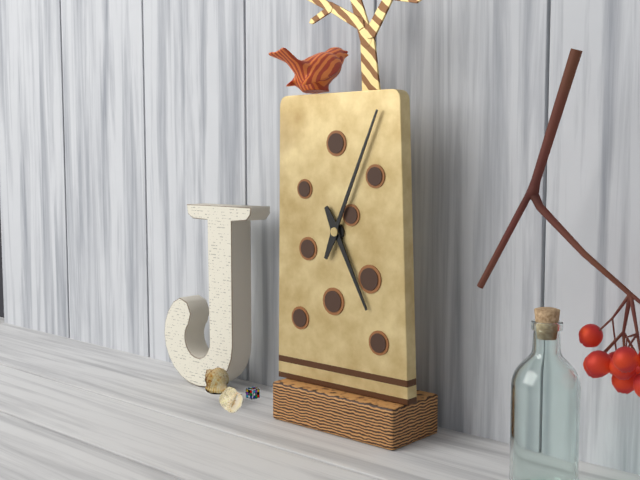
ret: {"hour": 5, "minute": 4}
